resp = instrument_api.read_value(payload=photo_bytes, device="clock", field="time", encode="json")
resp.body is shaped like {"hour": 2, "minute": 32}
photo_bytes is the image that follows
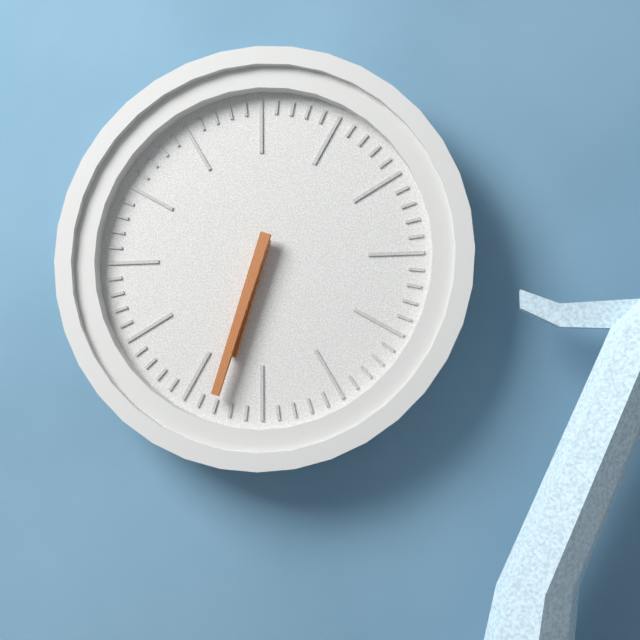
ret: {"hour": 6, "minute": 33}
